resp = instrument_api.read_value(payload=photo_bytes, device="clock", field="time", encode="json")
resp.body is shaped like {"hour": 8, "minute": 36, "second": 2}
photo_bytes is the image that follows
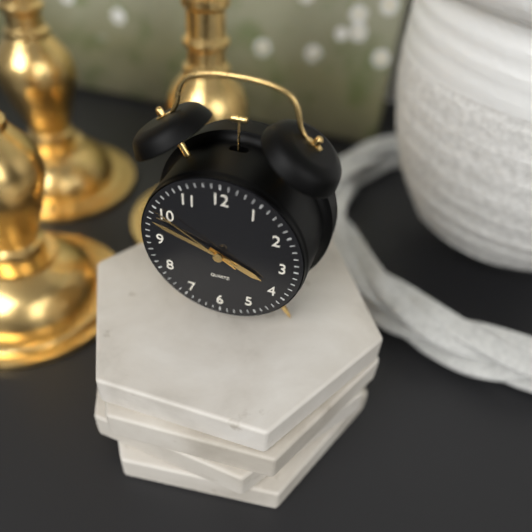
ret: {"hour": 3, "minute": 48, "second": 50}
